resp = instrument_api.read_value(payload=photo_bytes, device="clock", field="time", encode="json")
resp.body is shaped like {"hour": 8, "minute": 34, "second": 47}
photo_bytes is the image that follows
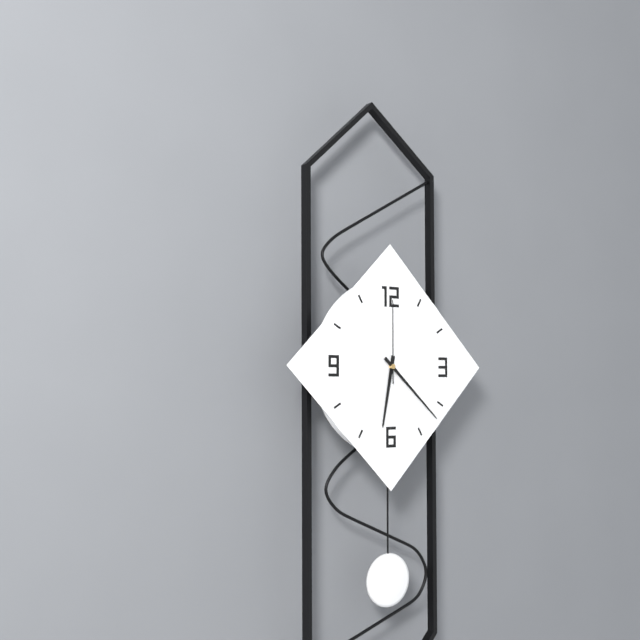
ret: {"hour": 6, "minute": 22, "second": 0}
